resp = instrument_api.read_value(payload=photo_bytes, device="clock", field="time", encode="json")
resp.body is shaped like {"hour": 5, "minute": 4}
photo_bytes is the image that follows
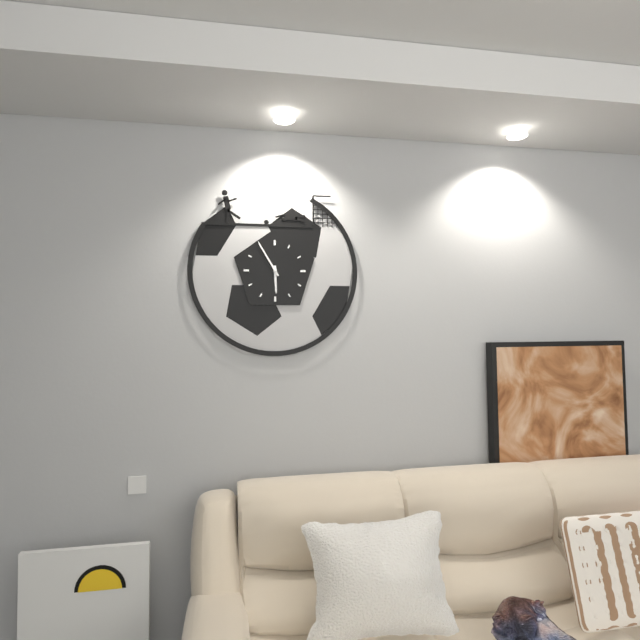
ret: {"hour": 5, "minute": 55}
